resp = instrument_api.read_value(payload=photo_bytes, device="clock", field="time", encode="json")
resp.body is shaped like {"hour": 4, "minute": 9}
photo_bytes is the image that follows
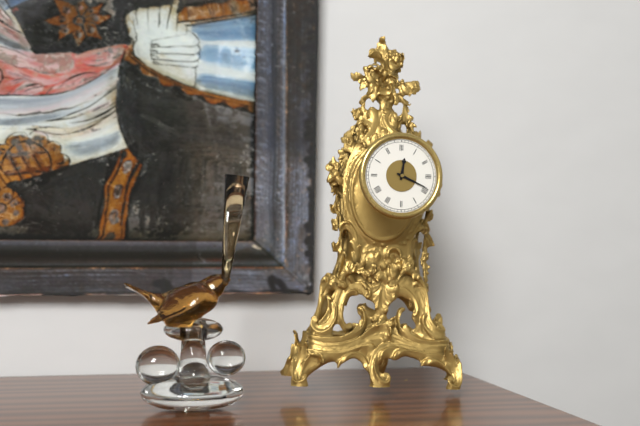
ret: {"hour": 12, "minute": 19}
